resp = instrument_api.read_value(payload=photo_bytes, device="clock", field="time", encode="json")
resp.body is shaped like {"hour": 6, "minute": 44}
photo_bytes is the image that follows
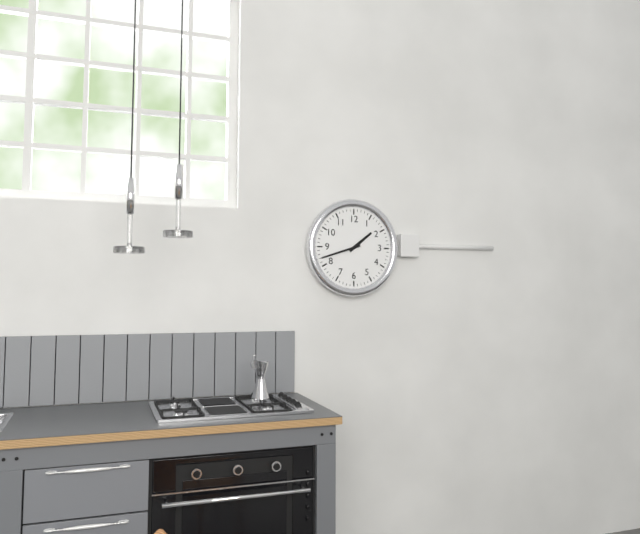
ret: {"hour": 1, "minute": 42}
